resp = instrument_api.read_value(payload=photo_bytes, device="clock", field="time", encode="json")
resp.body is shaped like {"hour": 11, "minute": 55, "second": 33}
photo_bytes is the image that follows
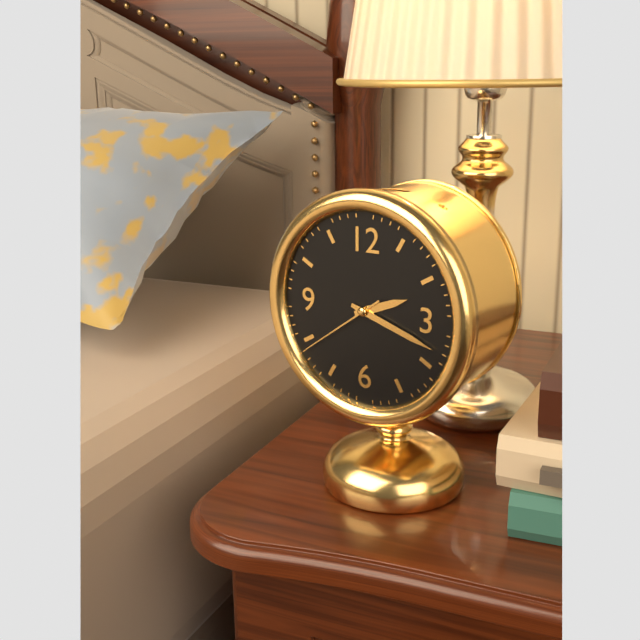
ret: {"hour": 2, "minute": 18, "second": 39}
